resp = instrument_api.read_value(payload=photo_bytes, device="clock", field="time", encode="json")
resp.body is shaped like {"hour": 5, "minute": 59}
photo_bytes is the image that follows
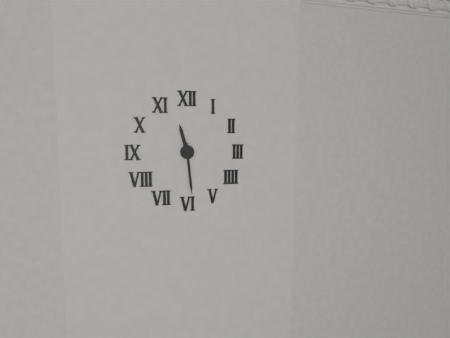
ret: {"hour": 11, "minute": 29}
